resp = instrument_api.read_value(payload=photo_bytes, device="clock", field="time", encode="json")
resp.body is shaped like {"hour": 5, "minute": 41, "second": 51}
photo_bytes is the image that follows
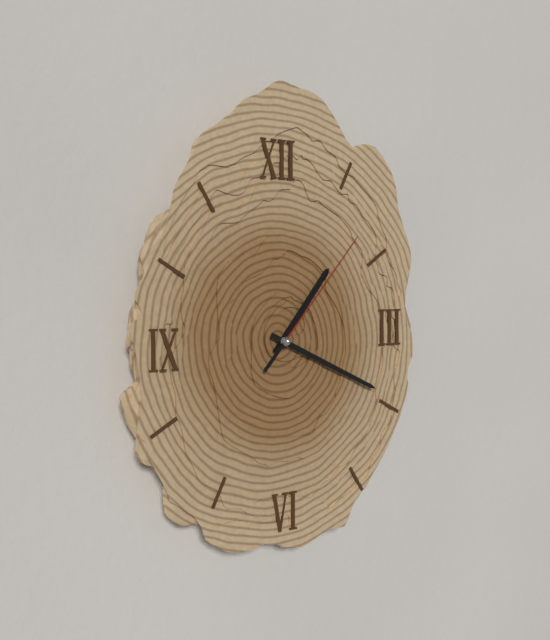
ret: {"hour": 1, "minute": 19, "second": 7}
